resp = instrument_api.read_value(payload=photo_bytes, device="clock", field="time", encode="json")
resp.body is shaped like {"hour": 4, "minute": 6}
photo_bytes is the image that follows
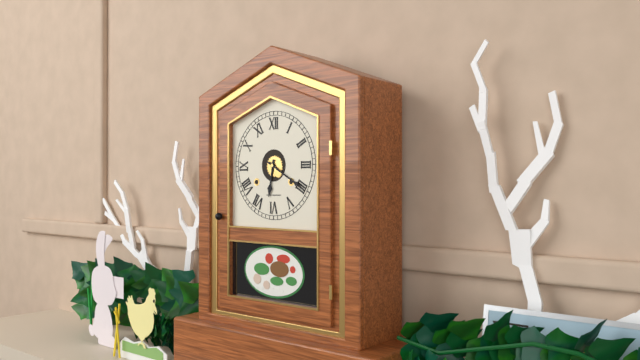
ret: {"hour": 6, "minute": 20}
